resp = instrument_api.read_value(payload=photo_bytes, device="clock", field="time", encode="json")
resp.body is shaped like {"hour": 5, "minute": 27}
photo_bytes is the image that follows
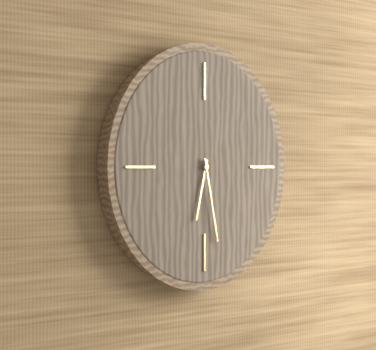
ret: {"hour": 6, "minute": 28}
